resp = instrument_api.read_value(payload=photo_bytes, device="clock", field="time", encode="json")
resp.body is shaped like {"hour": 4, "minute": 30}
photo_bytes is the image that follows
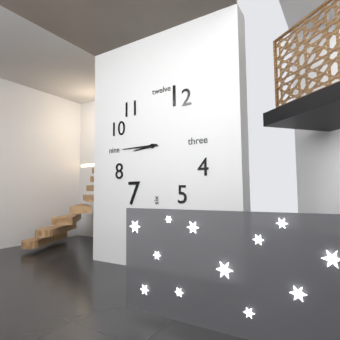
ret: {"hour": 8, "minute": 45}
